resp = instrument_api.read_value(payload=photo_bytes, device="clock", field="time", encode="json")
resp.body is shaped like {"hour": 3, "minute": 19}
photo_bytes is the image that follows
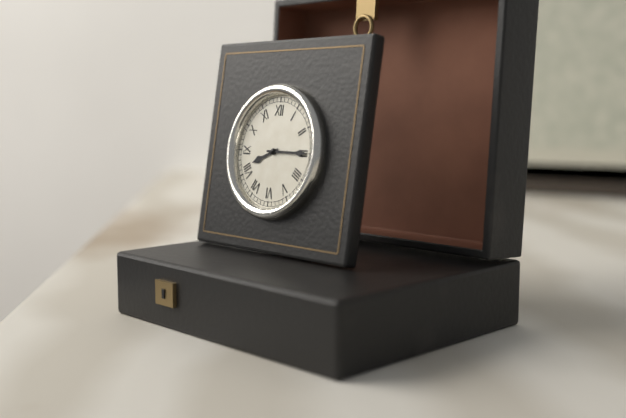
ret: {"hour": 8, "minute": 15}
